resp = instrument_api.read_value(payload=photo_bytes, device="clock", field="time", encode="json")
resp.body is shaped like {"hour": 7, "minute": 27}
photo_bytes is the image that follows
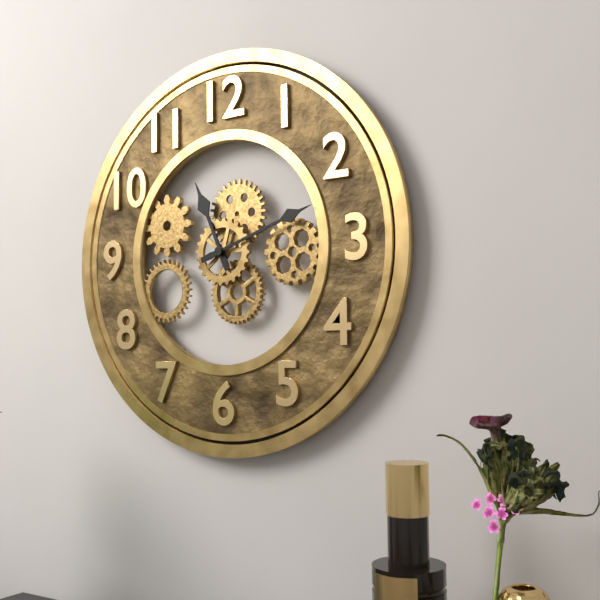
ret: {"hour": 11, "minute": 12}
